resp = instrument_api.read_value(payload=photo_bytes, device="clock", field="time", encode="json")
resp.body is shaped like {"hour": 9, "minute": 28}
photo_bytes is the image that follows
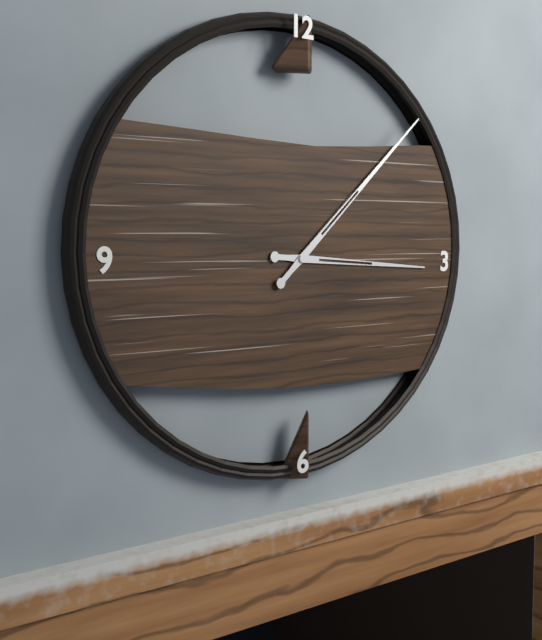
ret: {"hour": 3, "minute": 8}
